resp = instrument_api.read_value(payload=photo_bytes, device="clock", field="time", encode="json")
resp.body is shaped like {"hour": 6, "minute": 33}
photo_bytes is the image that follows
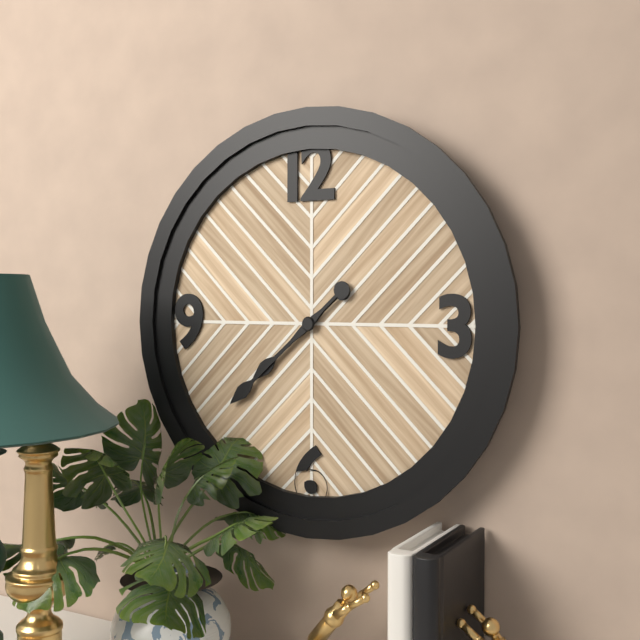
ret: {"hour": 7, "minute": 38}
